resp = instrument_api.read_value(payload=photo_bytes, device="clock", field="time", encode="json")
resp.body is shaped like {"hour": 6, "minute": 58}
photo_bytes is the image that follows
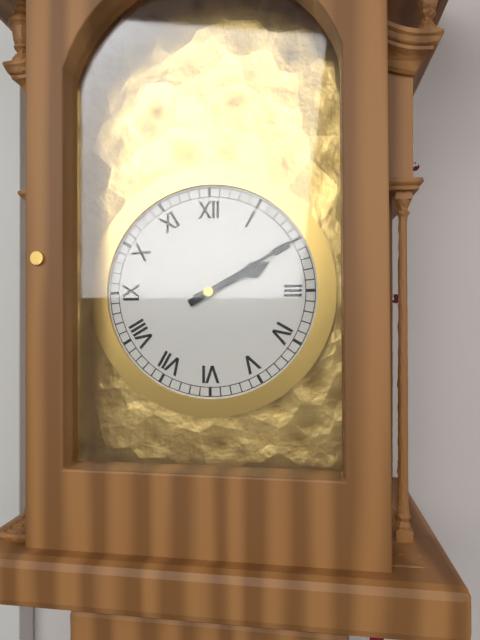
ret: {"hour": 2, "minute": 10}
